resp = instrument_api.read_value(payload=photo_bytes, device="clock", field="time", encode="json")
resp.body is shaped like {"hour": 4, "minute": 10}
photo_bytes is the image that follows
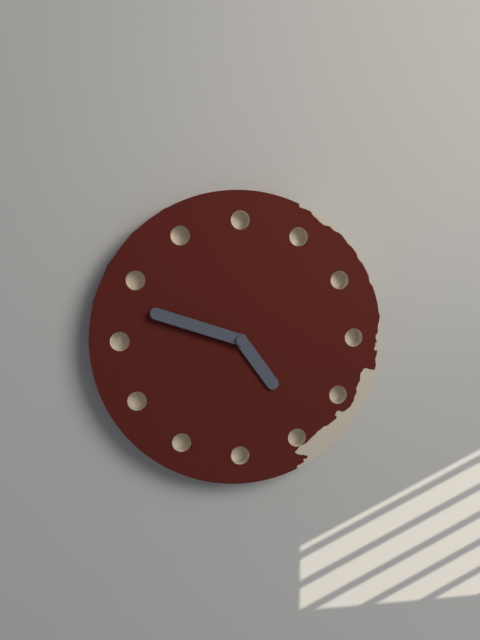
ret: {"hour": 4, "minute": 48}
